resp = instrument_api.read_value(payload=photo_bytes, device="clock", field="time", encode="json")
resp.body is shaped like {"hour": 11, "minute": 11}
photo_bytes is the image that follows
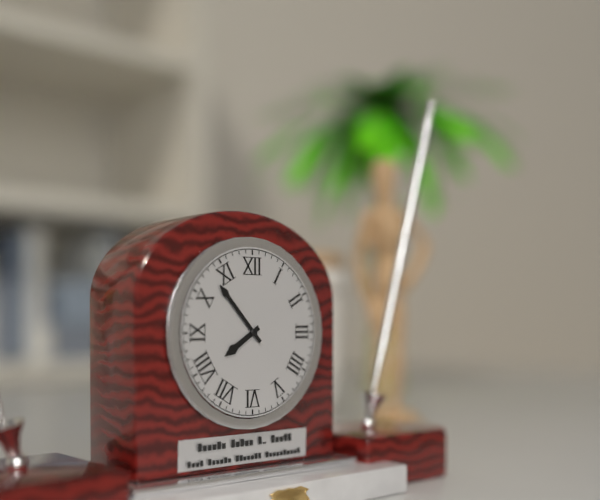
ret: {"hour": 7, "minute": 53}
